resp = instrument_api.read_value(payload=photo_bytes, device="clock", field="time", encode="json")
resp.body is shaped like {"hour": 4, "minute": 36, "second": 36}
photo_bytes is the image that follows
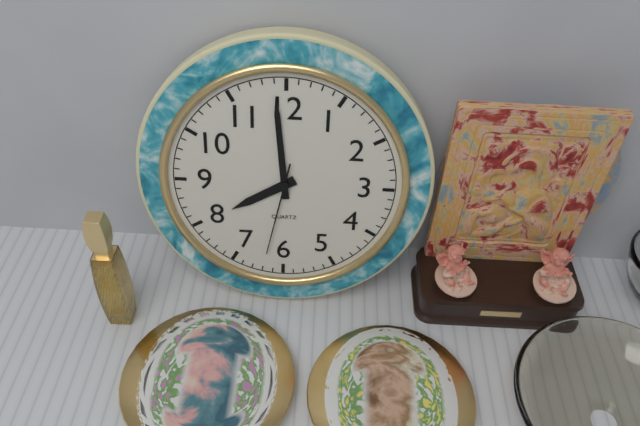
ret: {"hour": 7, "minute": 59, "second": 32}
